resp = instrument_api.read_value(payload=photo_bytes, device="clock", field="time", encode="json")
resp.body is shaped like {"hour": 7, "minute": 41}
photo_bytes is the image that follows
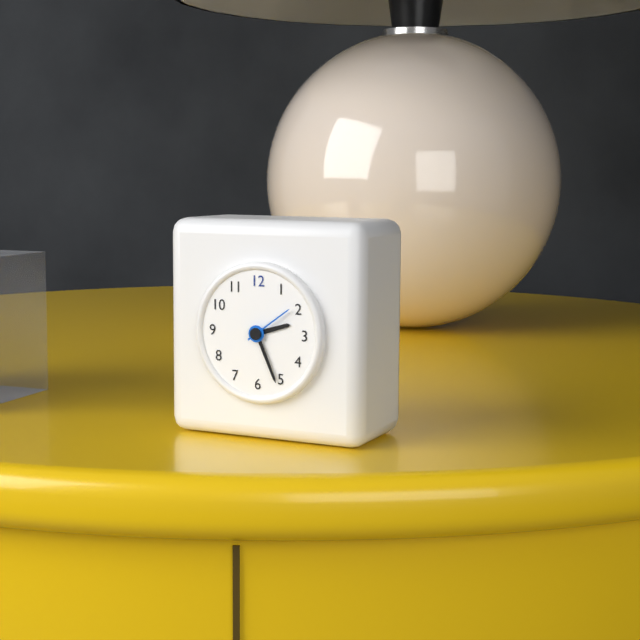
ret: {"hour": 2, "minute": 26}
